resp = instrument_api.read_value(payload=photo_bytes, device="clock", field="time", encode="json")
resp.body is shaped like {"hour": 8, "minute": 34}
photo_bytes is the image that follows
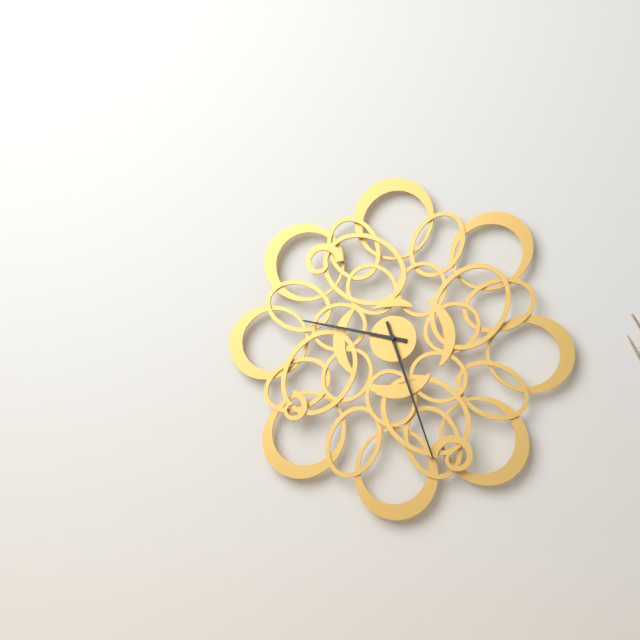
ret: {"hour": 9, "minute": 27}
